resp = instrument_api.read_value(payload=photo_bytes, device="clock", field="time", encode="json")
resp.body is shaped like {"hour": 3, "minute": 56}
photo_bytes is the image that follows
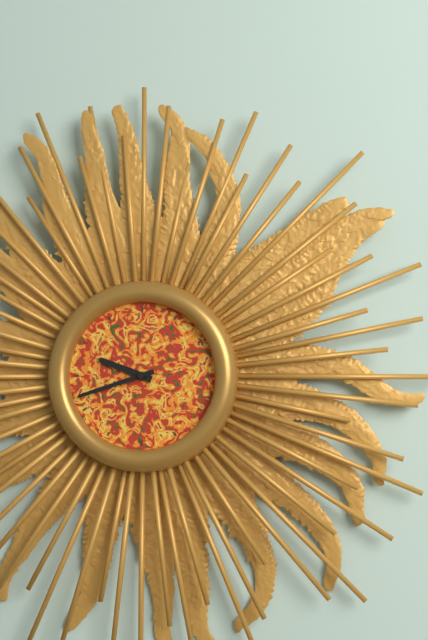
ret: {"hour": 9, "minute": 42}
